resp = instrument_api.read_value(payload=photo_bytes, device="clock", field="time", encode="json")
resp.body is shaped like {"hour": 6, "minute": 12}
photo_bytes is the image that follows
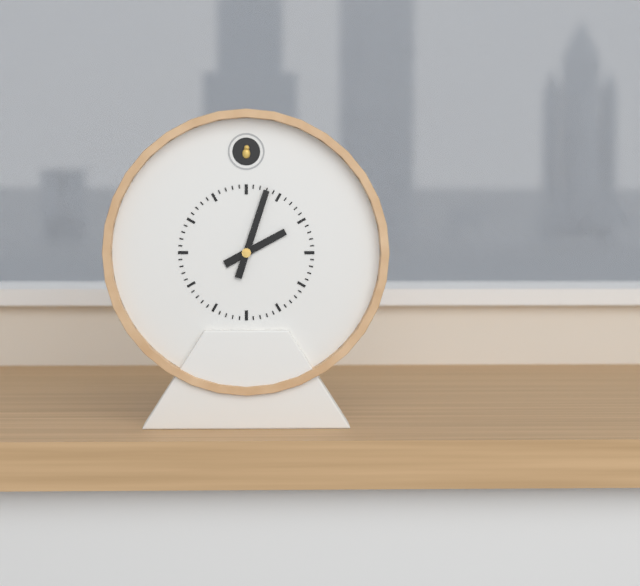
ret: {"hour": 2, "minute": 3}
